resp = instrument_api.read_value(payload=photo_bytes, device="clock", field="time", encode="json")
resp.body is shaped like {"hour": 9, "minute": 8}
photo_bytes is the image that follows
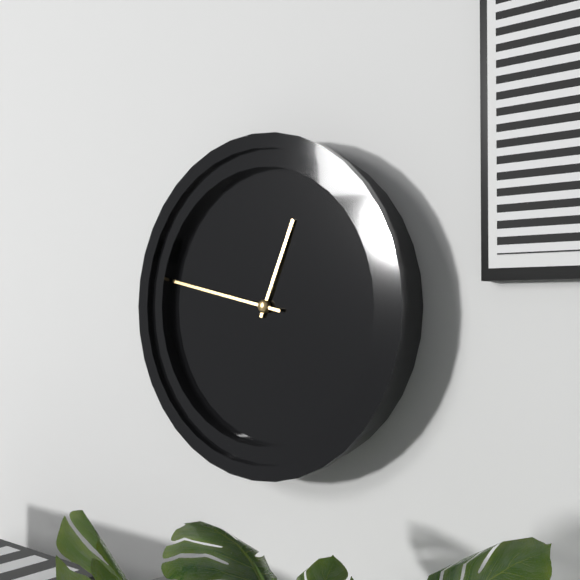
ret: {"hour": 12, "minute": 47}
